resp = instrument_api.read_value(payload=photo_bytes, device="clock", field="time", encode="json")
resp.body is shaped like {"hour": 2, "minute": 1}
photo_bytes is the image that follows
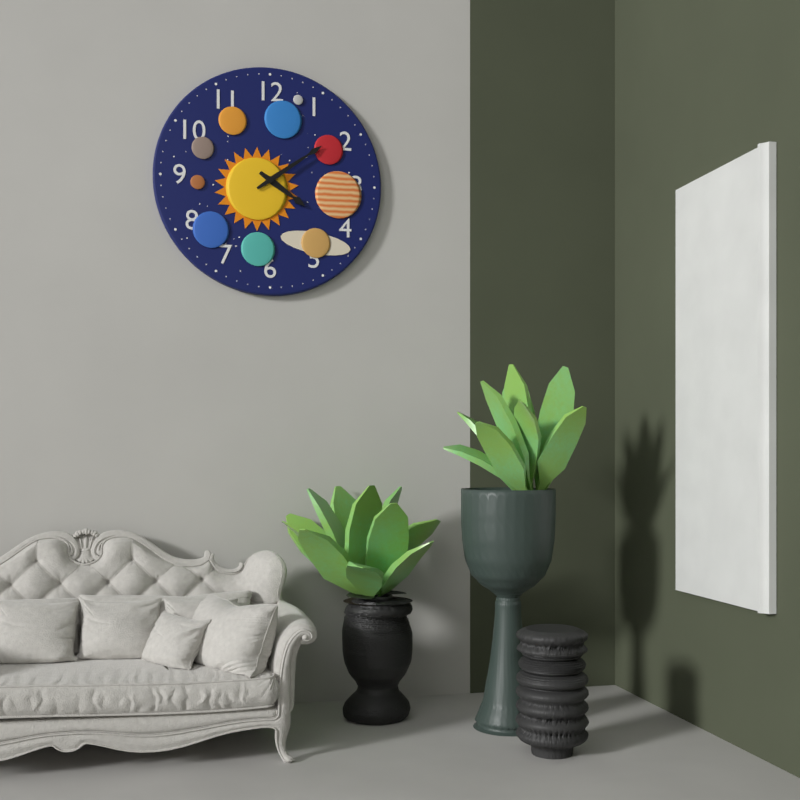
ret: {"hour": 4, "minute": 9}
